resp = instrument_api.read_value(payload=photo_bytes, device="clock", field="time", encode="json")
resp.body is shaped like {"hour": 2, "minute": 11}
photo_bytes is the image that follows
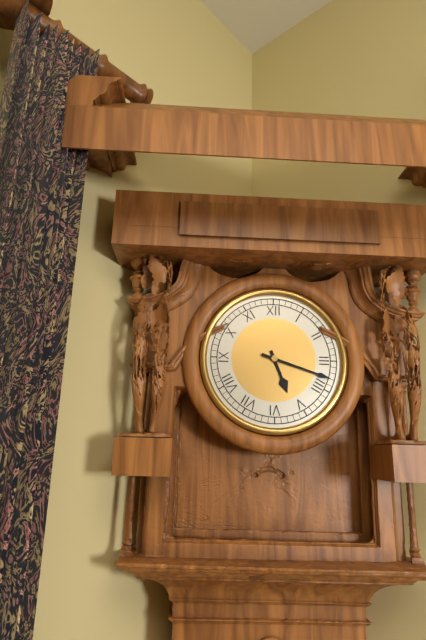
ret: {"hour": 5, "minute": 18}
